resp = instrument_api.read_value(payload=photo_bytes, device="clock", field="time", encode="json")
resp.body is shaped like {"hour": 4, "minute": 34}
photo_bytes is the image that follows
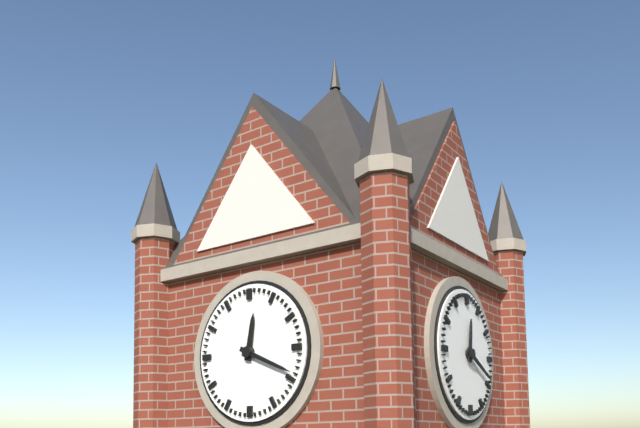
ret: {"hour": 12, "minute": 19}
